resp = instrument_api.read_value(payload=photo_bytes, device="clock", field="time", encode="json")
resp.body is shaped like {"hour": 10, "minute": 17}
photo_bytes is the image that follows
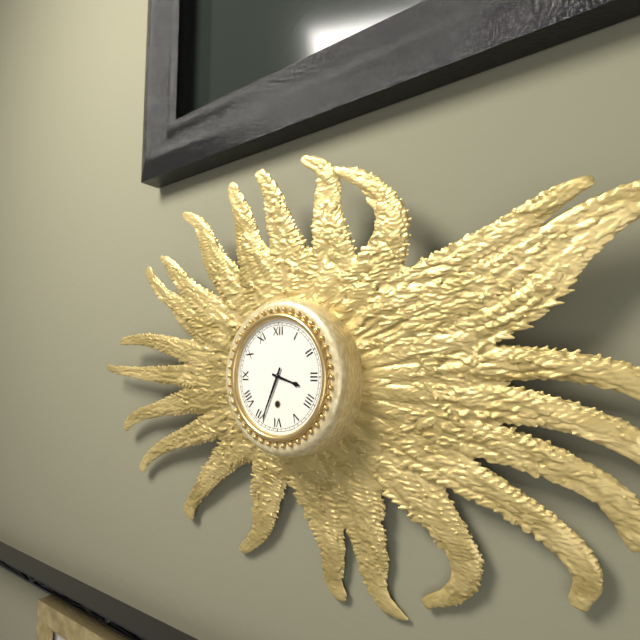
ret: {"hour": 3, "minute": 34}
